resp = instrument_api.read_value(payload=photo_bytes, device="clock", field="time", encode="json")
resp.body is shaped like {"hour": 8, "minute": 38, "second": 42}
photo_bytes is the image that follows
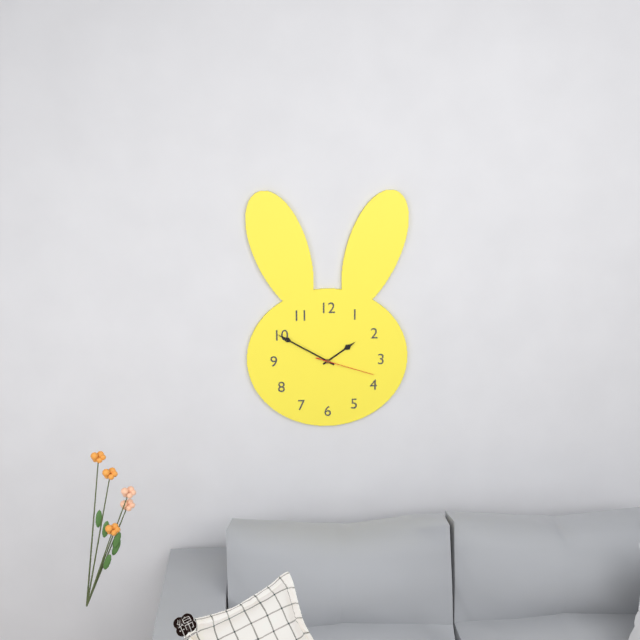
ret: {"hour": 1, "minute": 50, "second": 18}
